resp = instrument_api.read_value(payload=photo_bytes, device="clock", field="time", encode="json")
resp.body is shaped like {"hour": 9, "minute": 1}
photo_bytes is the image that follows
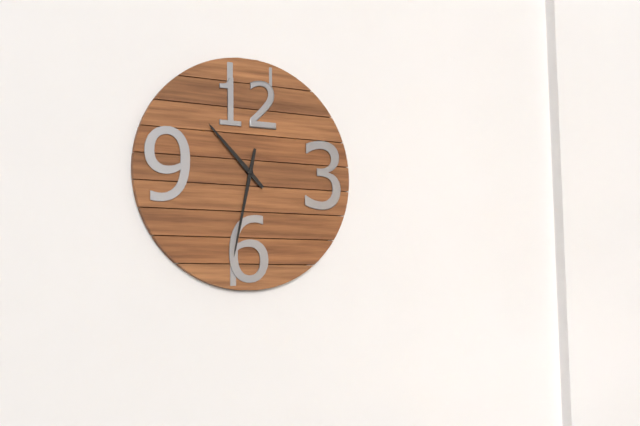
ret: {"hour": 10, "minute": 32}
